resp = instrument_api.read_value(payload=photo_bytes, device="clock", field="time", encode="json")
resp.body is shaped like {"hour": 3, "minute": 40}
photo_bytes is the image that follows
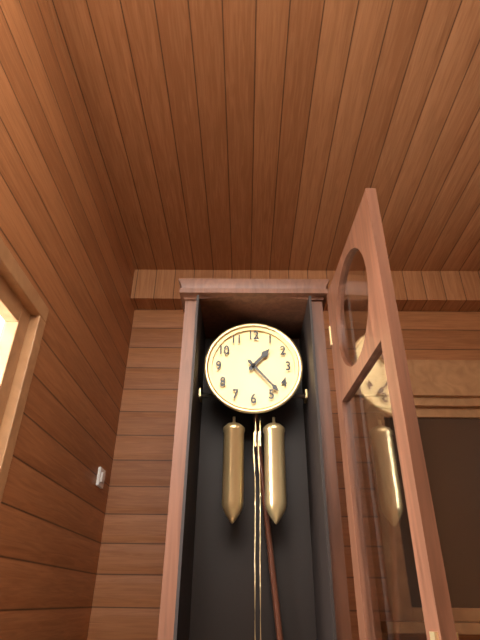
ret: {"hour": 1, "minute": 23}
